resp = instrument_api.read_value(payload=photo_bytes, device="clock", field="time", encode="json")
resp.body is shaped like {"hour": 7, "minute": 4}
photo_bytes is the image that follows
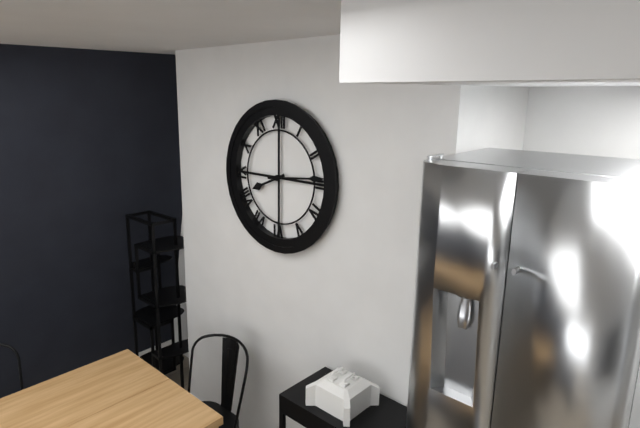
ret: {"hour": 8, "minute": 14}
